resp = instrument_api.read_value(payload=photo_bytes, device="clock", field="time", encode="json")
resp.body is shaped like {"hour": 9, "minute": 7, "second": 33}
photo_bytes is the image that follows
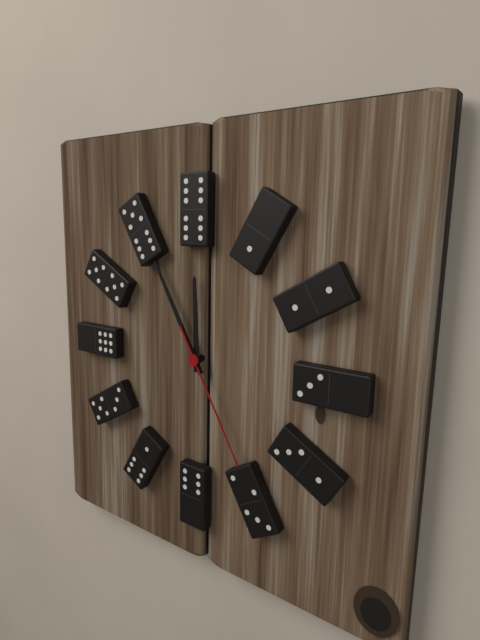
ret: {"hour": 11, "minute": 55, "second": 25}
